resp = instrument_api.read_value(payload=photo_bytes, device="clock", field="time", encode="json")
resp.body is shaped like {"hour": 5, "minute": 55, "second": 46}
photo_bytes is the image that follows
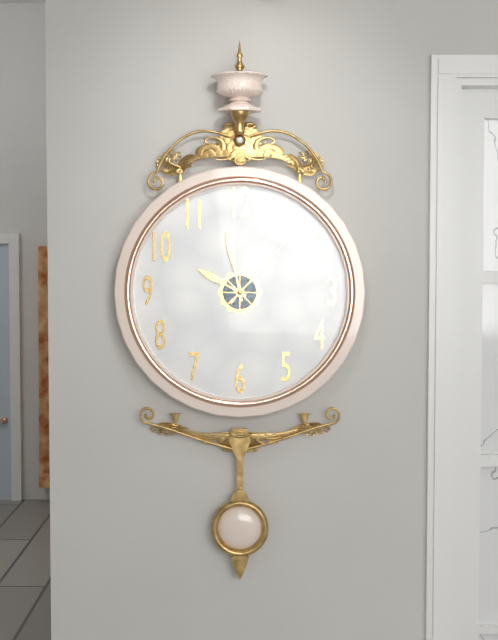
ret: {"hour": 9, "minute": 58, "second": 7}
